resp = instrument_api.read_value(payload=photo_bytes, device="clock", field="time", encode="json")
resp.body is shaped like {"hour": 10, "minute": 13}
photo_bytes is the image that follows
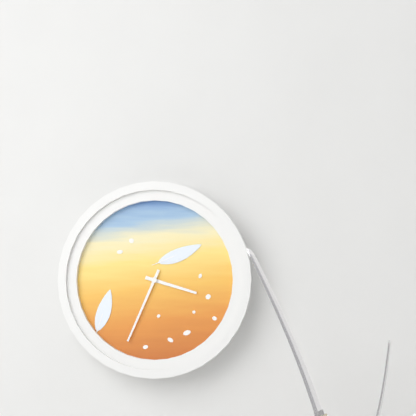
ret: {"hour": 3, "minute": 34}
